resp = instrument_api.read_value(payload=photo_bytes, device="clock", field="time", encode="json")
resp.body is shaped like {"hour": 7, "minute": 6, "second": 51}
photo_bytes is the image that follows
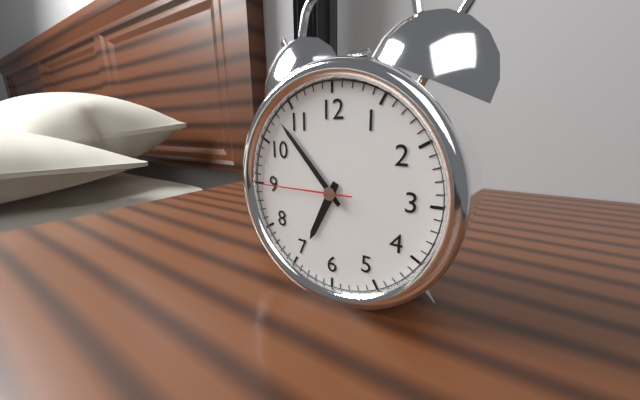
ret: {"hour": 6, "minute": 53, "second": 45}
